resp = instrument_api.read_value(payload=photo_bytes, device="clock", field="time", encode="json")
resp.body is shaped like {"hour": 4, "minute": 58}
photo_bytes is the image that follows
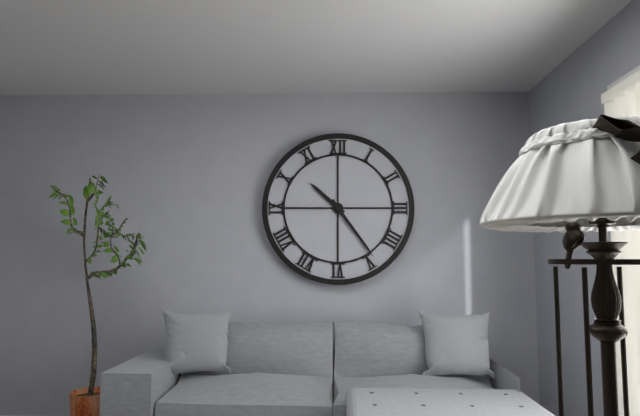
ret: {"hour": 10, "minute": 24}
